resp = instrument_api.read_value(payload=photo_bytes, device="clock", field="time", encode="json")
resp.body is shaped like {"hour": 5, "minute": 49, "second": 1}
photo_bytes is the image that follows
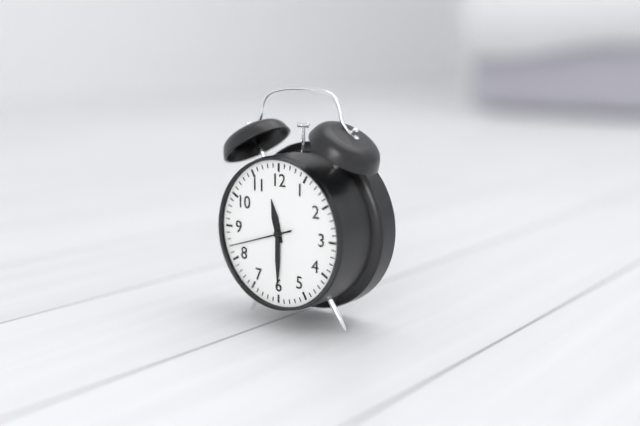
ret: {"hour": 11, "minute": 30, "second": 42}
